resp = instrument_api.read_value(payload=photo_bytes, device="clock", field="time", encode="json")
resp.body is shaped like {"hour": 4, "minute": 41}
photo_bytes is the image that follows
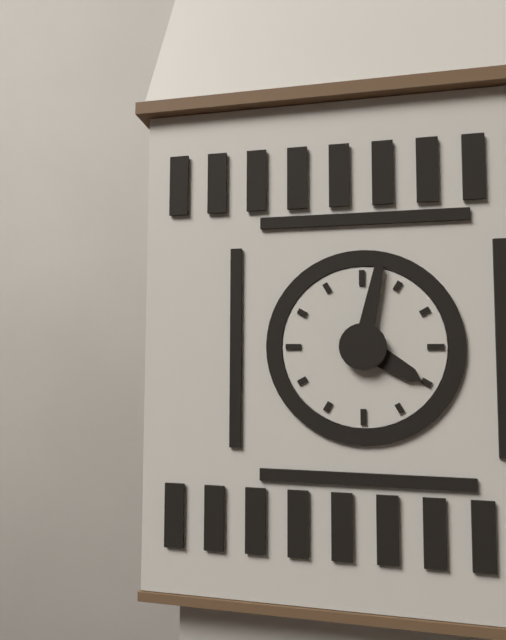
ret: {"hour": 4, "minute": 2}
